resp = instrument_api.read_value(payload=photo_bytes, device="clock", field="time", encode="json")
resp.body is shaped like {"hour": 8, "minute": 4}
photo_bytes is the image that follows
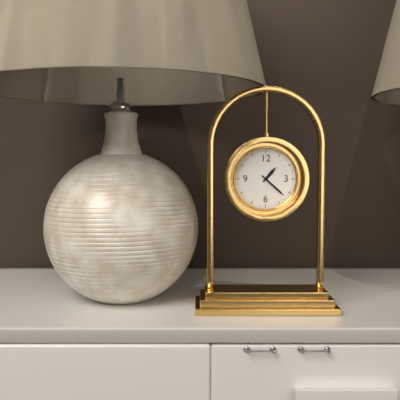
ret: {"hour": 1, "minute": 22}
